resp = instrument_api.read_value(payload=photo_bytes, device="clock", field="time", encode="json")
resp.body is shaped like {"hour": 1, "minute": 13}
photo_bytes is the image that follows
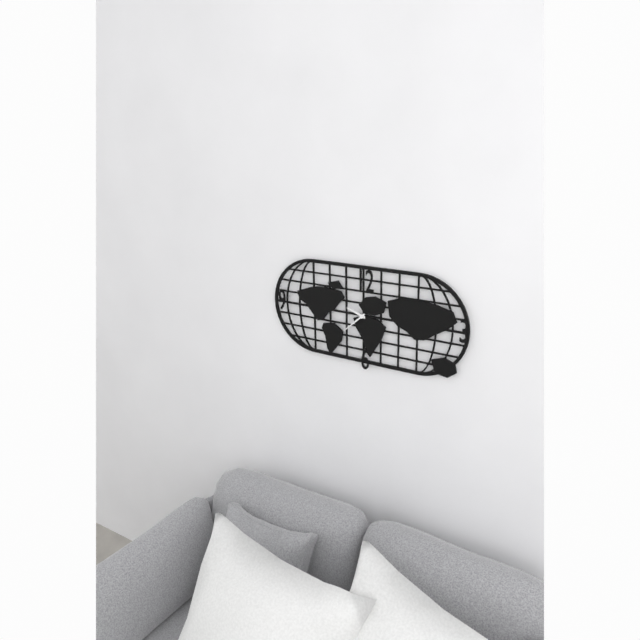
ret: {"hour": 9, "minute": 38}
